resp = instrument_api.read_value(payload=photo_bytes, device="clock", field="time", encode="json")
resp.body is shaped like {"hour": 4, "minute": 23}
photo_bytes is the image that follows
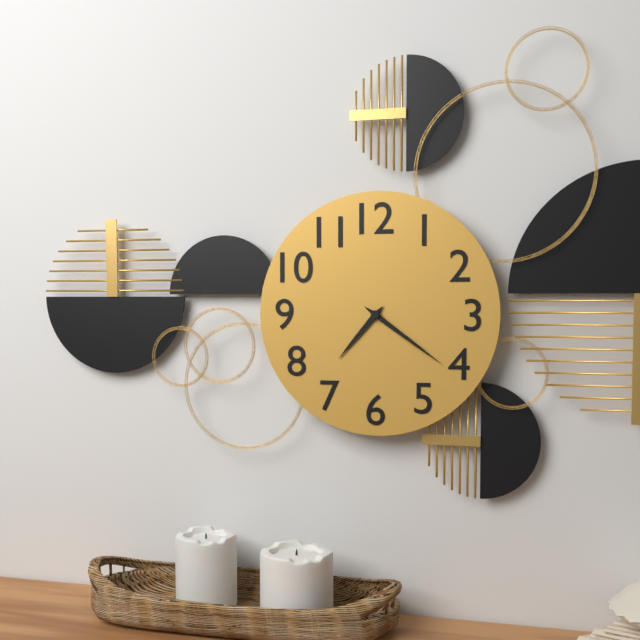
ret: {"hour": 7, "minute": 21}
